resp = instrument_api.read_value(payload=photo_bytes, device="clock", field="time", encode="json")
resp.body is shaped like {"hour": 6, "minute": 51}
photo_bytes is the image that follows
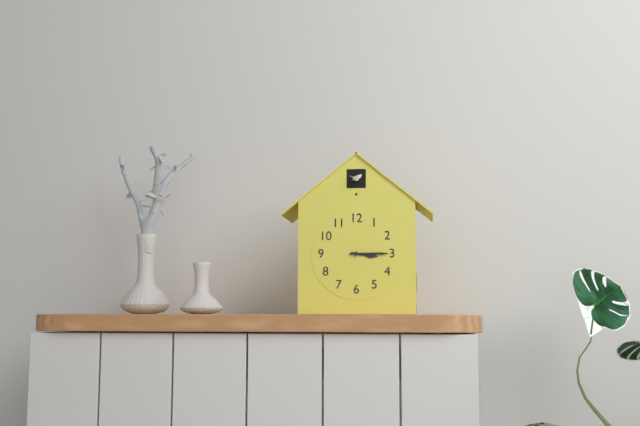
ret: {"hour": 3, "minute": 15}
